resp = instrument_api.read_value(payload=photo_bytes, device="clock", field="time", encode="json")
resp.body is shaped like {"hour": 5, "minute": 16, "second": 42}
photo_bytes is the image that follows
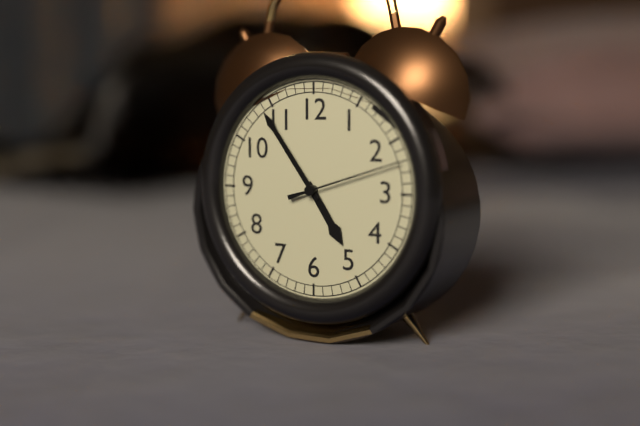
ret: {"hour": 4, "minute": 54, "second": 12}
